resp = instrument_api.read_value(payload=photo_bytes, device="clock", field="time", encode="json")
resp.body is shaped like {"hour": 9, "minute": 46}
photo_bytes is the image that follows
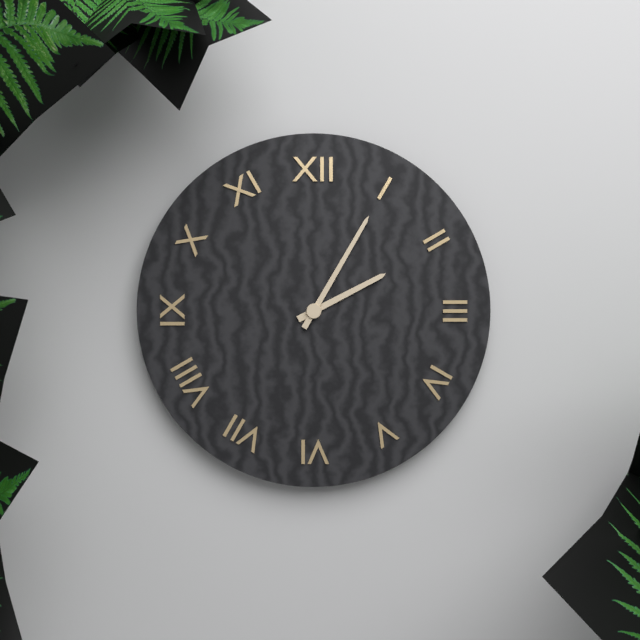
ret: {"hour": 2, "minute": 5}
